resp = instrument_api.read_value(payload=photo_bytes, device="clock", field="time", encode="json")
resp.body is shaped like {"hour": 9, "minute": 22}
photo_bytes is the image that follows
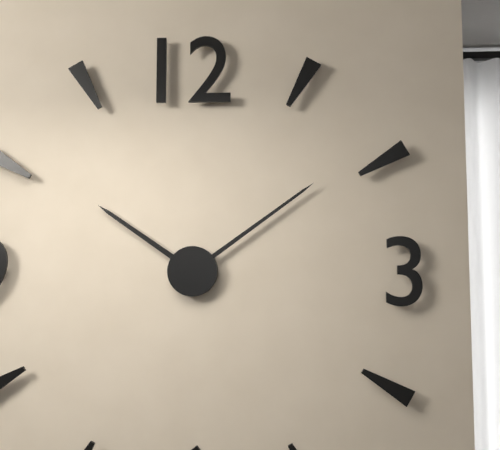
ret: {"hour": 10, "minute": 9}
